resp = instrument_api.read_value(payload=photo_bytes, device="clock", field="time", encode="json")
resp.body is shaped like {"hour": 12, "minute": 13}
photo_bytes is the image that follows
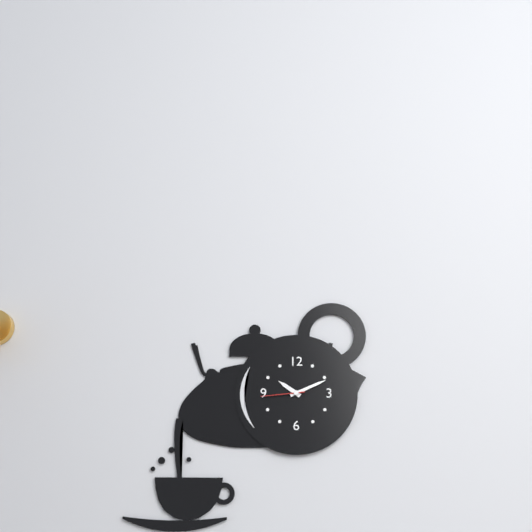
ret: {"hour": 10, "minute": 11}
